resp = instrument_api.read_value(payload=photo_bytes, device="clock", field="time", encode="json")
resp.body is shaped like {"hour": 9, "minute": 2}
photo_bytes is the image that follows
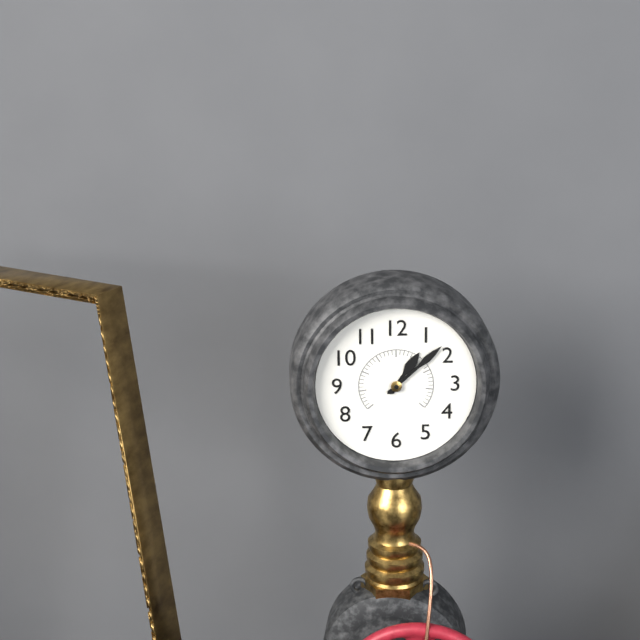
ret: {"hour": 1, "minute": 8}
